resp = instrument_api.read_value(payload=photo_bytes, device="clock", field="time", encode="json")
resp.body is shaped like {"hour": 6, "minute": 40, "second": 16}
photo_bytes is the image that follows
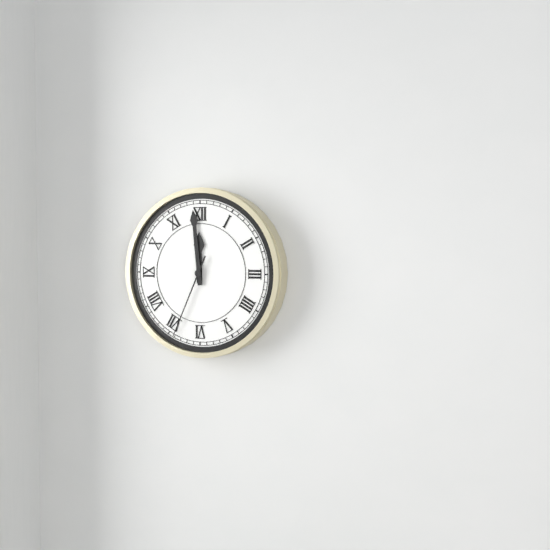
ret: {"hour": 11, "minute": 59, "second": 34}
